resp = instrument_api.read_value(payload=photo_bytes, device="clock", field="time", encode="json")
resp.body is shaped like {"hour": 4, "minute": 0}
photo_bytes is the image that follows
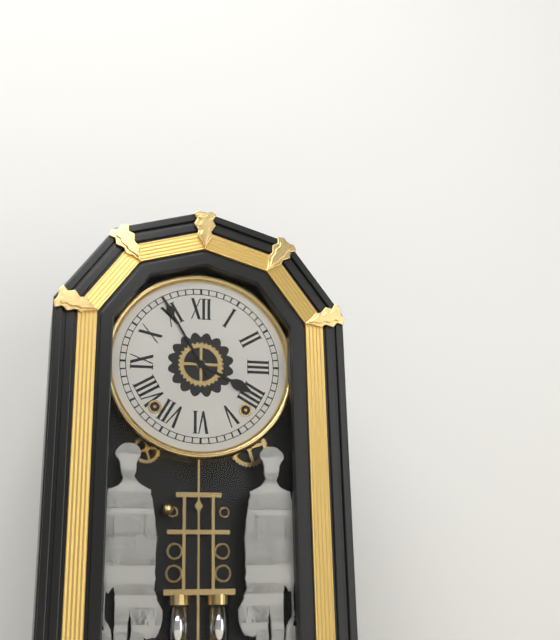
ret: {"hour": 3, "minute": 55}
